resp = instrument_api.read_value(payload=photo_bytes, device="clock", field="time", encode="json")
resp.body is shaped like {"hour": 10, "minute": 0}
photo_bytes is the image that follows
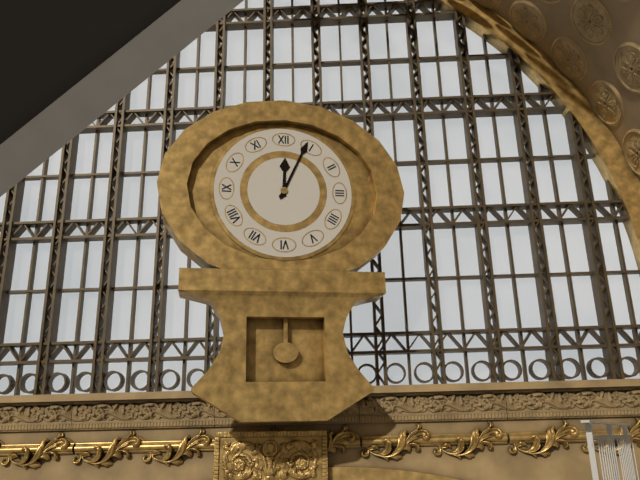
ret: {"hour": 12, "minute": 4}
